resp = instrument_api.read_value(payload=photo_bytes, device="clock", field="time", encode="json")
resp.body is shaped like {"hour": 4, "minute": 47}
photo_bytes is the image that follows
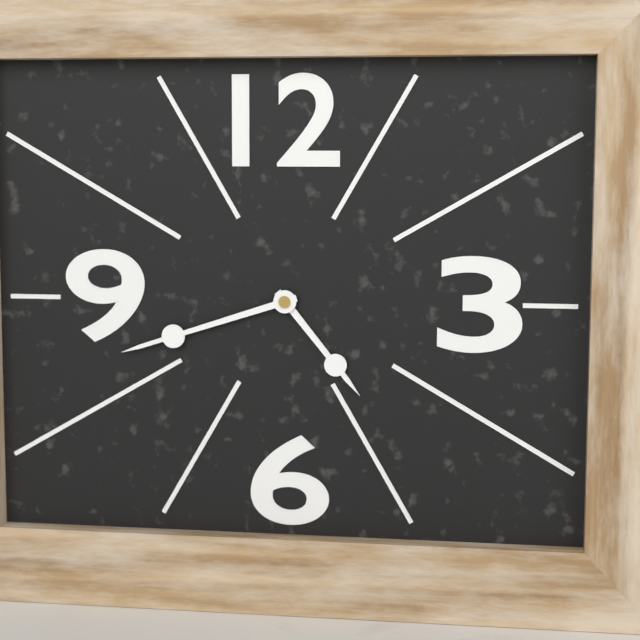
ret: {"hour": 4, "minute": 42}
